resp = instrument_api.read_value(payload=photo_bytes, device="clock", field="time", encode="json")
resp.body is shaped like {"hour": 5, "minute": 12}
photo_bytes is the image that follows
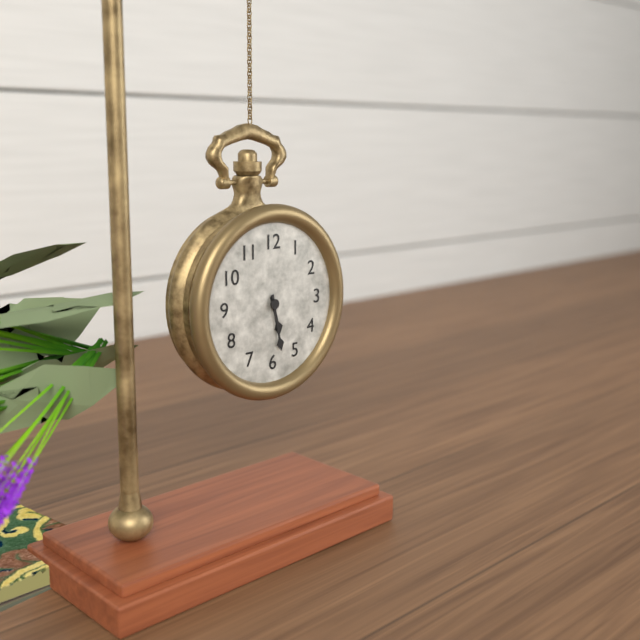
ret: {"hour": 5, "minute": 28}
